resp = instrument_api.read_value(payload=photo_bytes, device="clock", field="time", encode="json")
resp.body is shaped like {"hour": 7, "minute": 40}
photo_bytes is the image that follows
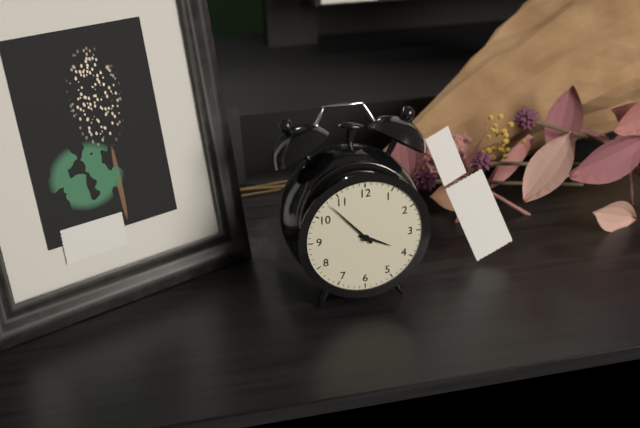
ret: {"hour": 3, "minute": 53}
